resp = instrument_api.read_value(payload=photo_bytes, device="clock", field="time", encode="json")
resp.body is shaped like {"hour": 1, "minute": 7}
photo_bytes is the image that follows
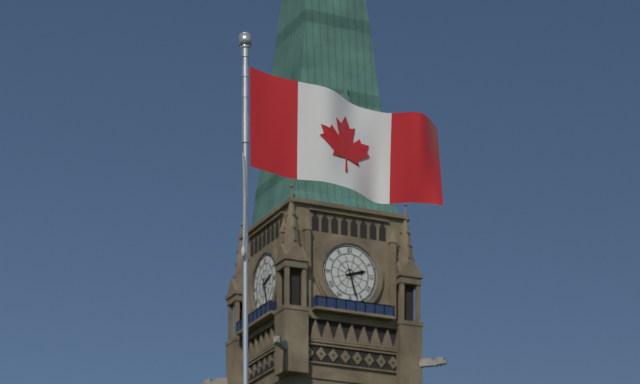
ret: {"hour": 2, "minute": 27}
